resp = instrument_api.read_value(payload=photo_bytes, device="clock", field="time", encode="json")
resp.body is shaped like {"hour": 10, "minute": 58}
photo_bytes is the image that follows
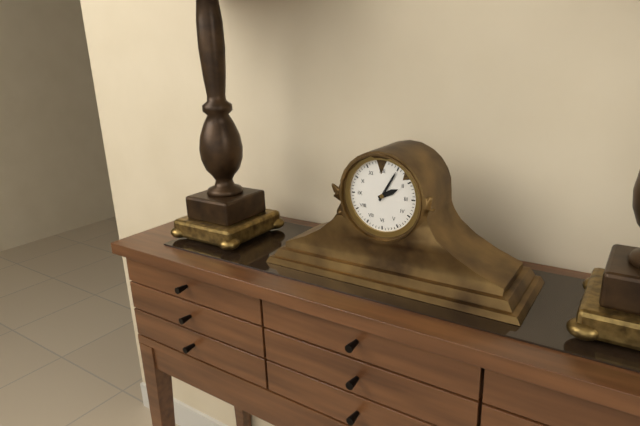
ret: {"hour": 2, "minute": 5}
